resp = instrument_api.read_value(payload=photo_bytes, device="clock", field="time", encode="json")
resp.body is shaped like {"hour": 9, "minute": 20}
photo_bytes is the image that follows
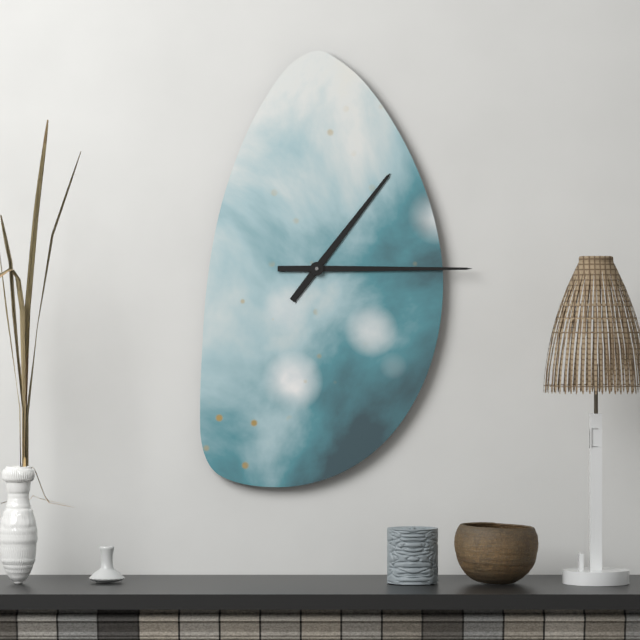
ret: {"hour": 1, "minute": 15}
